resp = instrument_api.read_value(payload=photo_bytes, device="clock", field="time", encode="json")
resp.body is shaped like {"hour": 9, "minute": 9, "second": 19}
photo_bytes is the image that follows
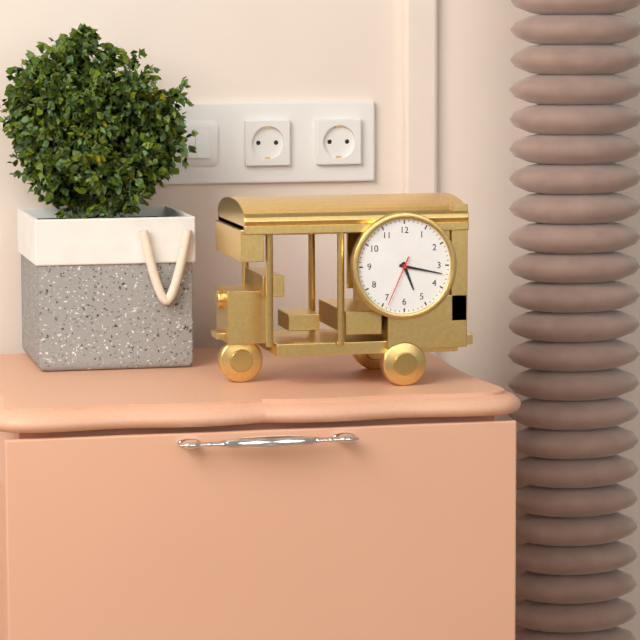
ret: {"hour": 5, "minute": 17, "second": 34}
